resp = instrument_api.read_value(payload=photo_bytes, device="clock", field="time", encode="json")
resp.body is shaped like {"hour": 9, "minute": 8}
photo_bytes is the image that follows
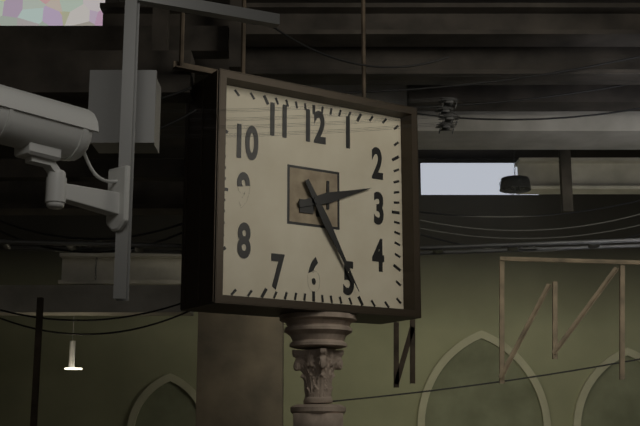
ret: {"hour": 2, "minute": 25}
